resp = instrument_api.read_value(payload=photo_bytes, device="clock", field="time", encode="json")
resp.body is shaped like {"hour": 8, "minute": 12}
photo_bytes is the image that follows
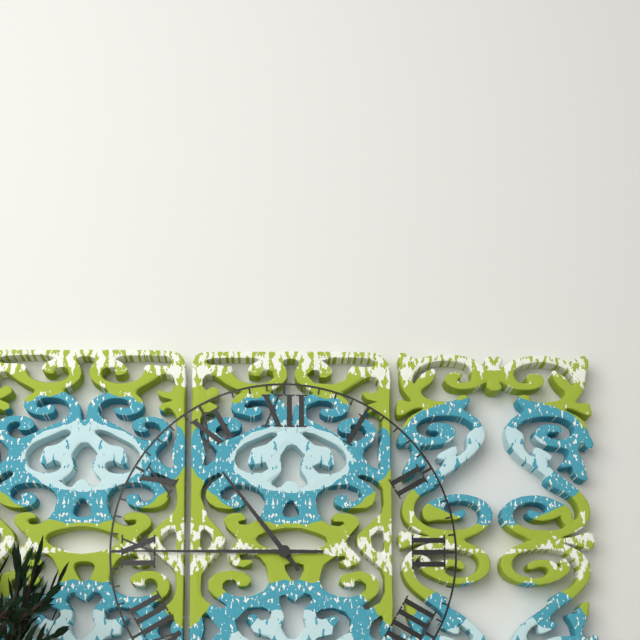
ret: {"hour": 10, "minute": 45}
